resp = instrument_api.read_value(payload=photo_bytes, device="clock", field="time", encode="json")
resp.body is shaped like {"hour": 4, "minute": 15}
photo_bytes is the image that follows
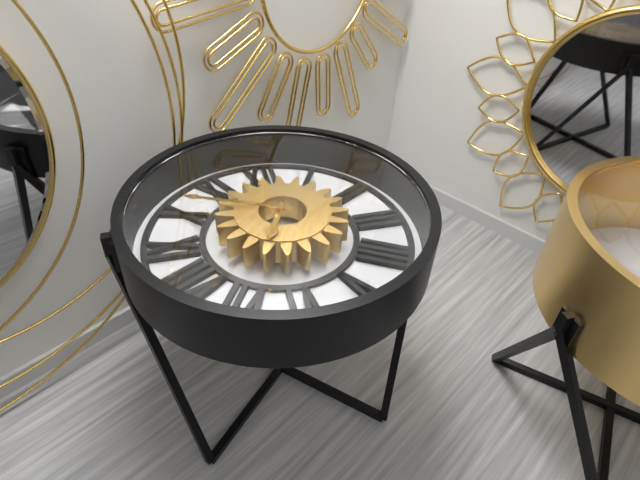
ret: {"hour": 6, "minute": 49}
